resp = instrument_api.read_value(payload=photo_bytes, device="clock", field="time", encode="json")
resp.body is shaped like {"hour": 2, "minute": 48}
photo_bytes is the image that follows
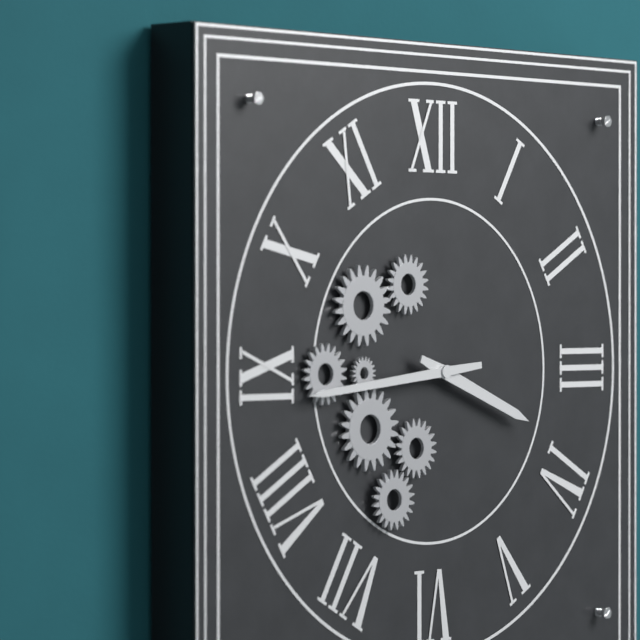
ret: {"hour": 3, "minute": 44}
